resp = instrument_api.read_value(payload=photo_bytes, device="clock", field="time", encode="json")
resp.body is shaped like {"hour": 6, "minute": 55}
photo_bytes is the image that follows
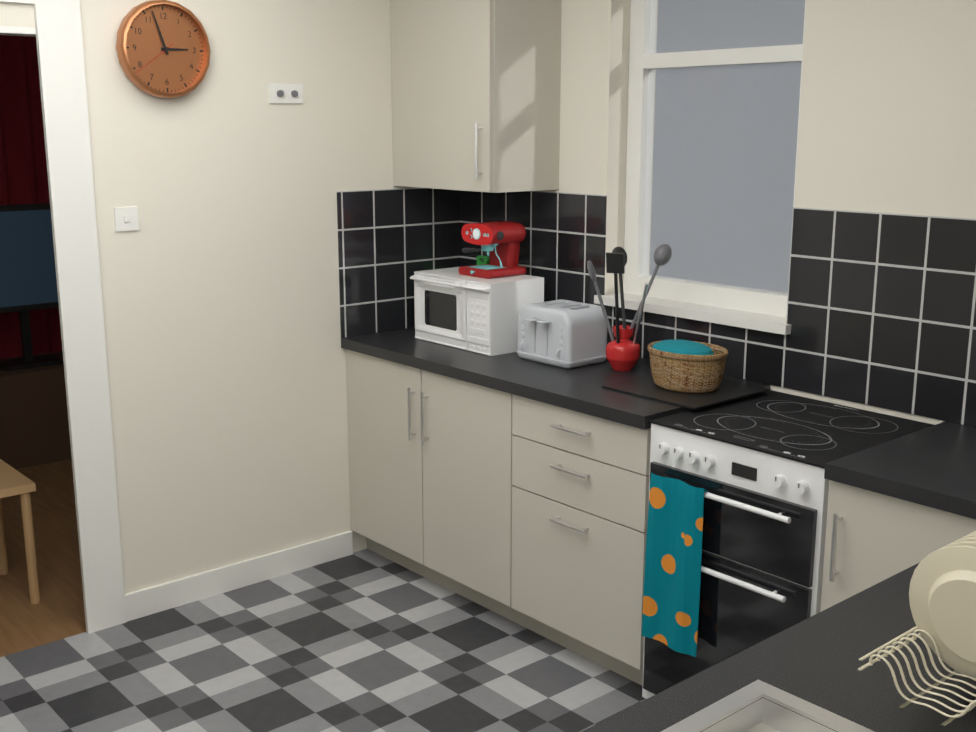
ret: {"hour": 2, "minute": 57}
